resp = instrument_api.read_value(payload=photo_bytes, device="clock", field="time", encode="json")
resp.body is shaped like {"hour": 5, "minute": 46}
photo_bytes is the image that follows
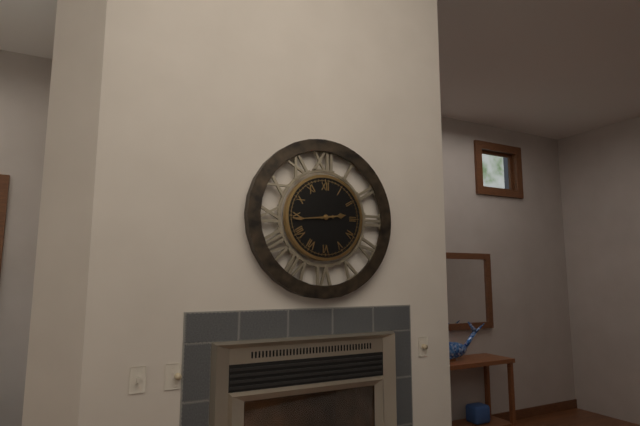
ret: {"hour": 2, "minute": 44}
